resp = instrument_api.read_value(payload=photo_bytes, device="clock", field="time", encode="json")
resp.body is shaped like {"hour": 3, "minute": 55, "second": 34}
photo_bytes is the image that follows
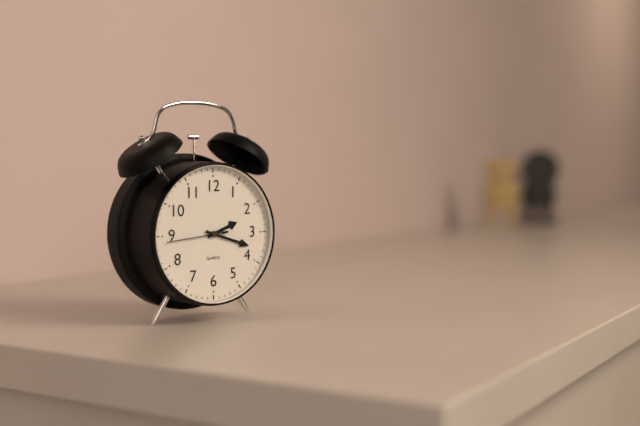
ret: {"hour": 2, "minute": 18, "second": 44}
